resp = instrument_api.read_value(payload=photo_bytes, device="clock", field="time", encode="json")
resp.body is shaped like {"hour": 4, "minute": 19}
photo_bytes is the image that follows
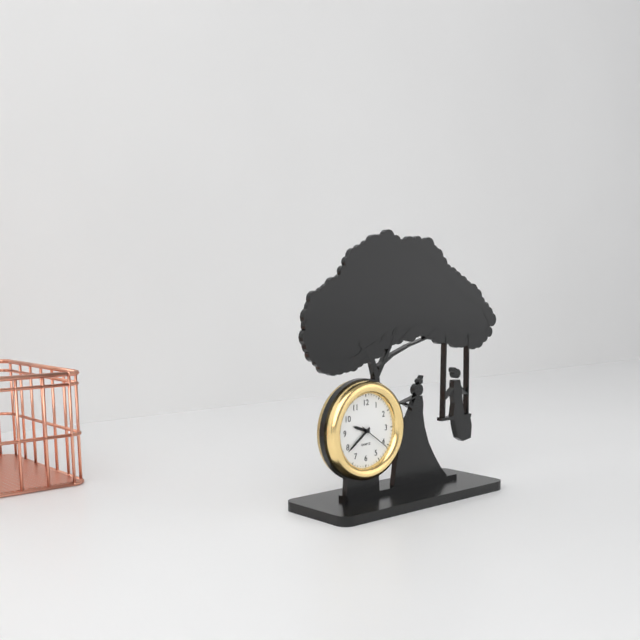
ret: {"hour": 9, "minute": 39}
